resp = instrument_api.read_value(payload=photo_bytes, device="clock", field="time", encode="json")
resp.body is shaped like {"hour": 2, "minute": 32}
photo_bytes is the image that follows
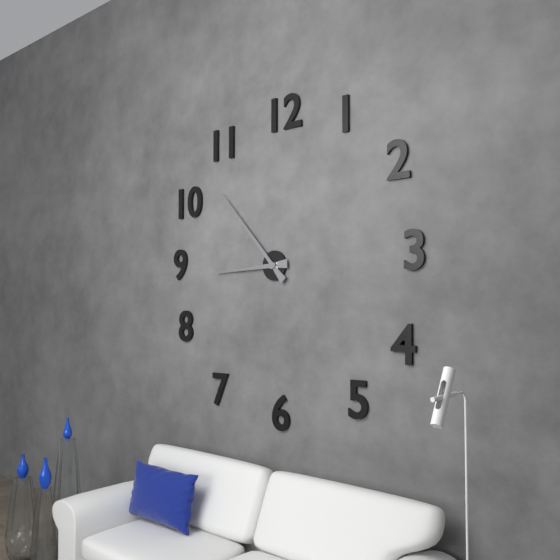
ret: {"hour": 8, "minute": 53}
